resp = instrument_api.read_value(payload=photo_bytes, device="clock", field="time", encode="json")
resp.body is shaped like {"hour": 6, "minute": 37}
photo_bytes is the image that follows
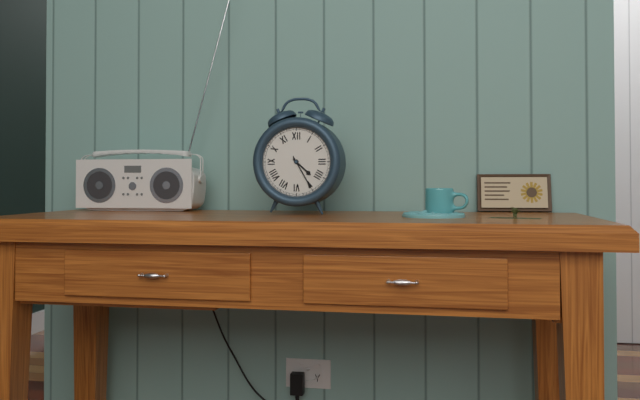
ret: {"hour": 4, "minute": 25}
